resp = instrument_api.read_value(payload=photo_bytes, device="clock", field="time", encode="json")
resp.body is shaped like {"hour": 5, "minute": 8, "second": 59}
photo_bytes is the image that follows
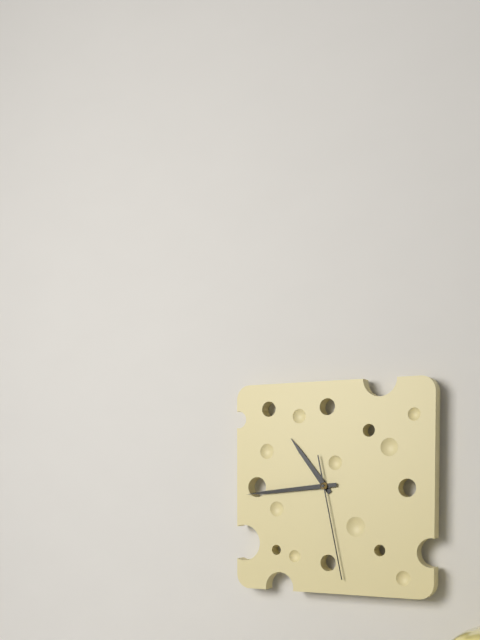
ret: {"hour": 10, "minute": 44, "second": 28}
